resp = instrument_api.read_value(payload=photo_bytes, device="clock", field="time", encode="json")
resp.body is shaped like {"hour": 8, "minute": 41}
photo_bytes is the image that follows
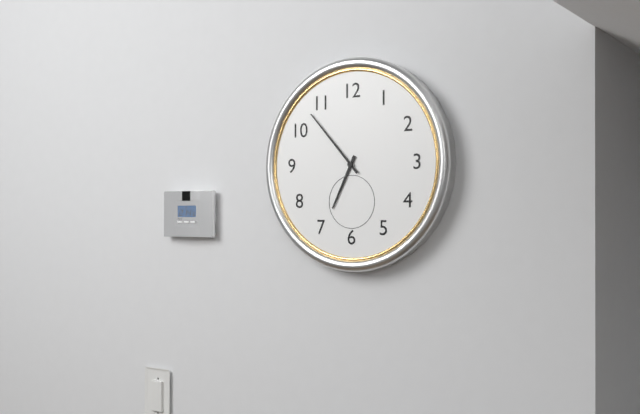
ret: {"hour": 6, "minute": 53}
